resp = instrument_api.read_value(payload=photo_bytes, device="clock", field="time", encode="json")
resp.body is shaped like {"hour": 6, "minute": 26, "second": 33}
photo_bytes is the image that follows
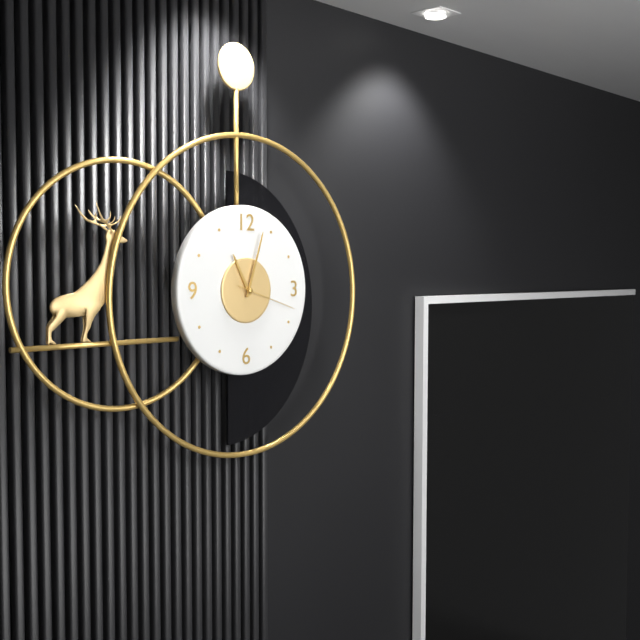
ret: {"hour": 11, "minute": 3, "second": 18}
